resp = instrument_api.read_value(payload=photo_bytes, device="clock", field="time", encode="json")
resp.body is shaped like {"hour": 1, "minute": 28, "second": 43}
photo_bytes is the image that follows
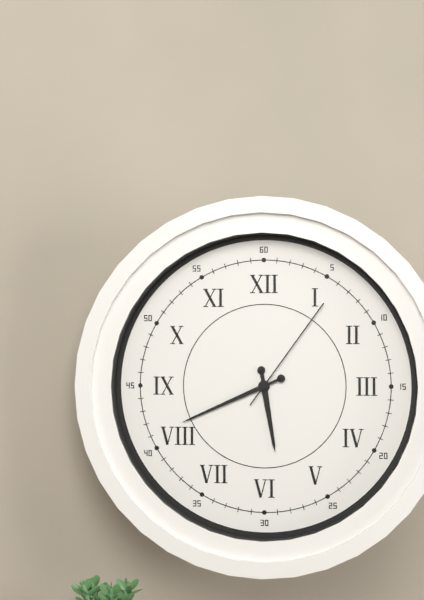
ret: {"hour": 5, "minute": 41, "second": 6}
